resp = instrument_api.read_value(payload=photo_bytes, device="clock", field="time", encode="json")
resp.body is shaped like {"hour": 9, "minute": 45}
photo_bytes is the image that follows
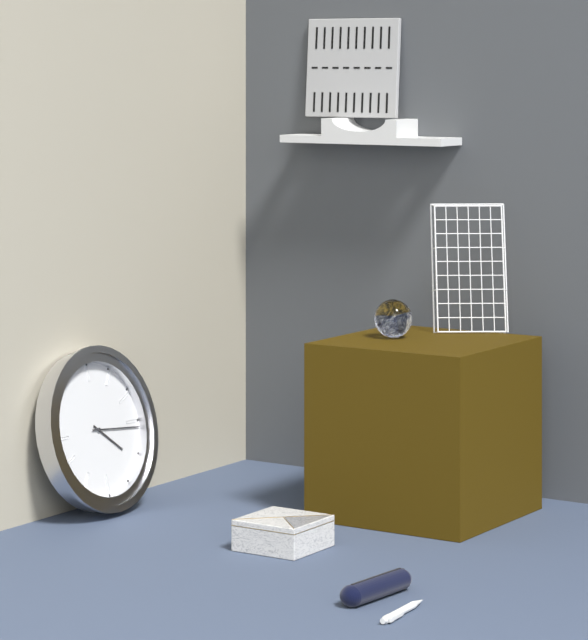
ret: {"hour": 4, "minute": 16}
